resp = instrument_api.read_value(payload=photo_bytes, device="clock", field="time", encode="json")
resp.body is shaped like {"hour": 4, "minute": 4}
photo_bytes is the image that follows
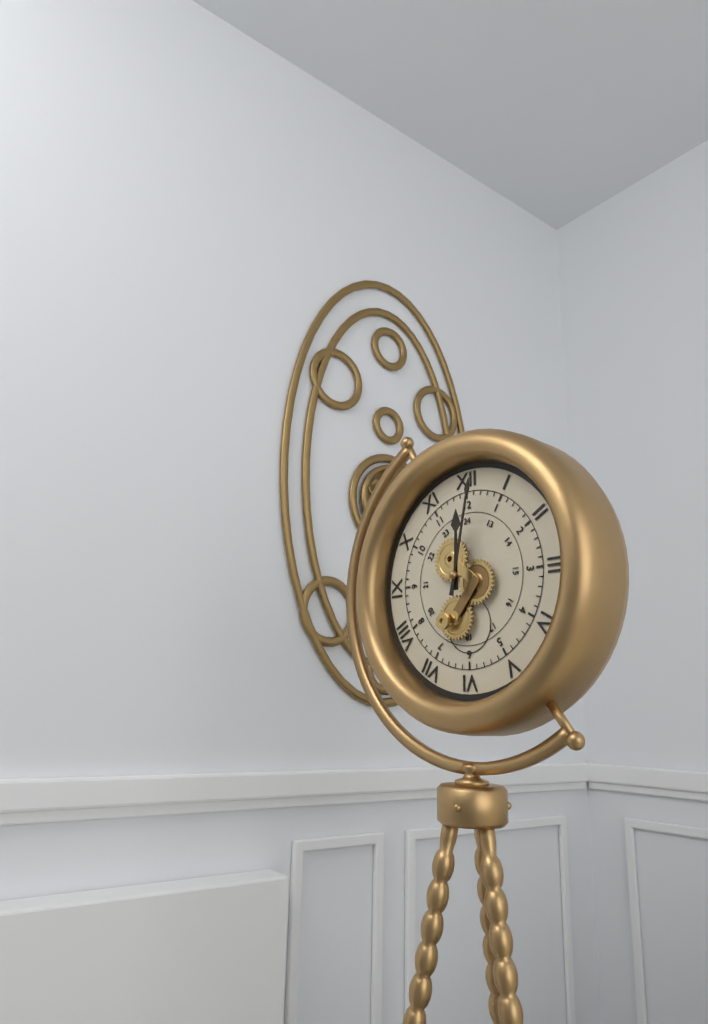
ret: {"hour": 12, "minute": 2}
